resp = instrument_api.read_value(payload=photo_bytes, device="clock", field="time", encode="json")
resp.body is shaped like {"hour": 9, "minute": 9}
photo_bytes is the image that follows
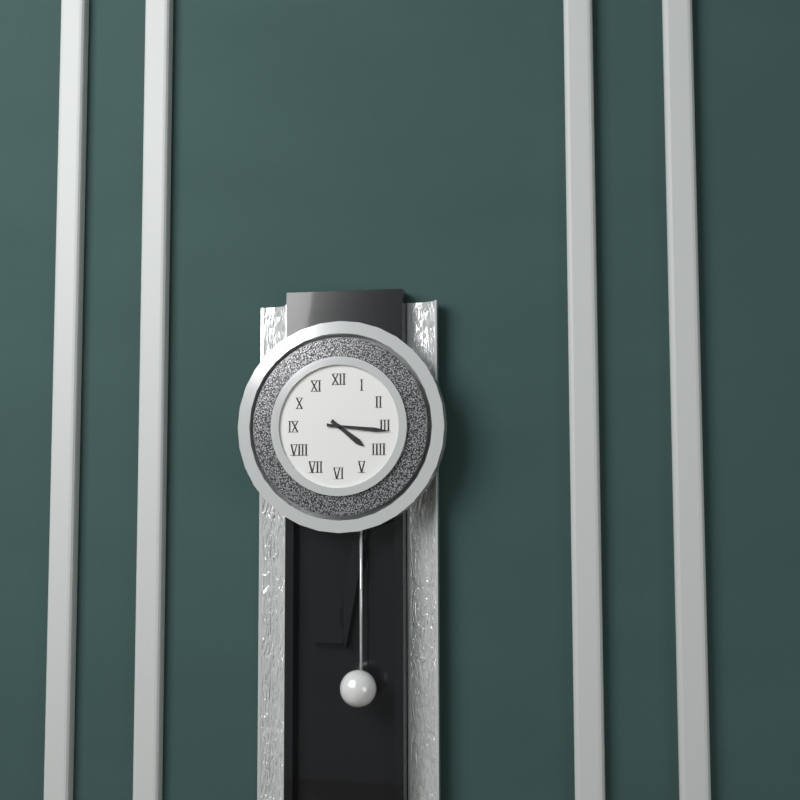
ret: {"hour": 4, "minute": 16}
